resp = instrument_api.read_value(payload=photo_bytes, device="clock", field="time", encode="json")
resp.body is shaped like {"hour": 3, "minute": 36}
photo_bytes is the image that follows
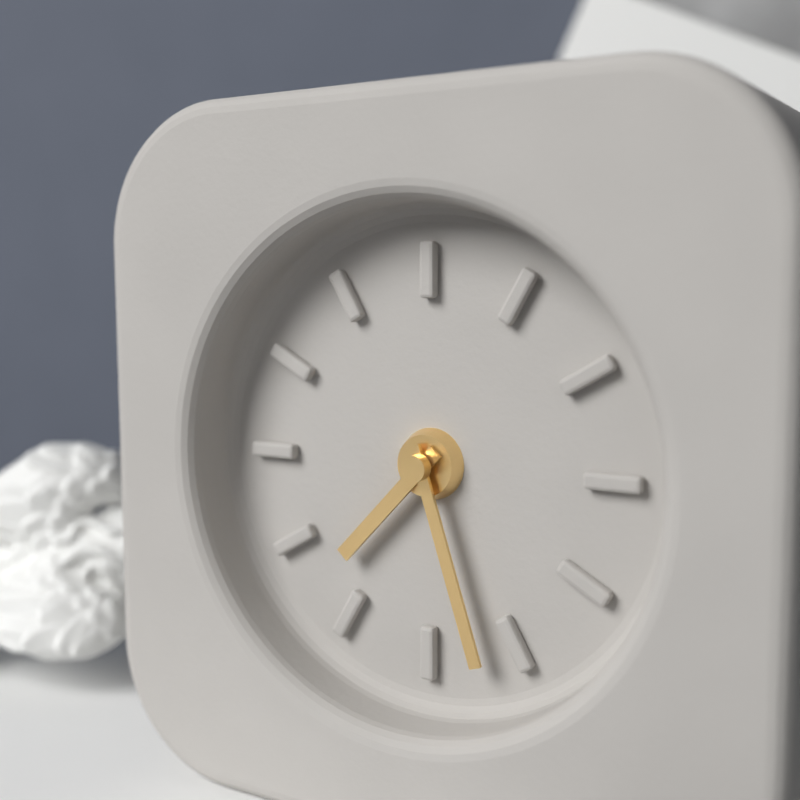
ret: {"hour": 7, "minute": 27}
